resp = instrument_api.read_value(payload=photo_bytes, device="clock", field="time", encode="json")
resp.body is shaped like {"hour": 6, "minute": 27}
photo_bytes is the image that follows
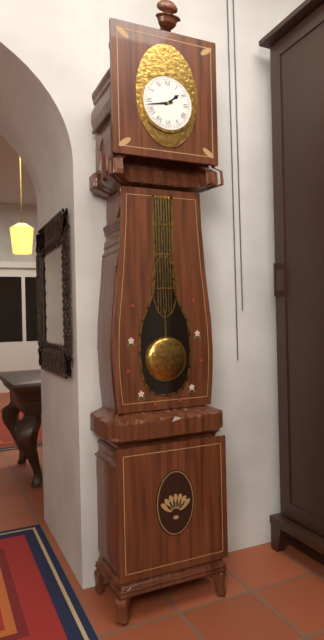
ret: {"hour": 1, "minute": 43}
